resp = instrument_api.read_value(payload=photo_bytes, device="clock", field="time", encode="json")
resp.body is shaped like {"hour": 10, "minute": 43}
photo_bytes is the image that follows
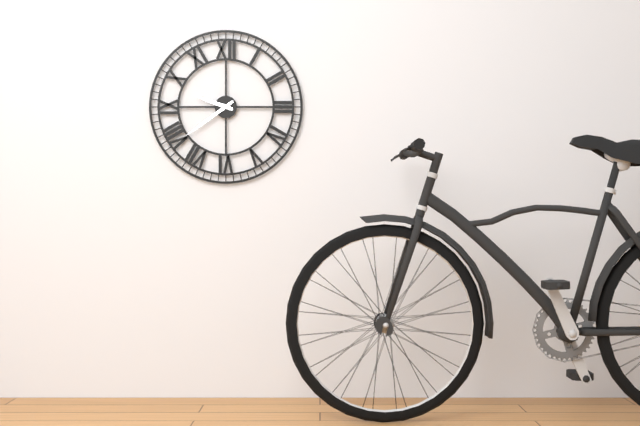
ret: {"hour": 9, "minute": 39}
